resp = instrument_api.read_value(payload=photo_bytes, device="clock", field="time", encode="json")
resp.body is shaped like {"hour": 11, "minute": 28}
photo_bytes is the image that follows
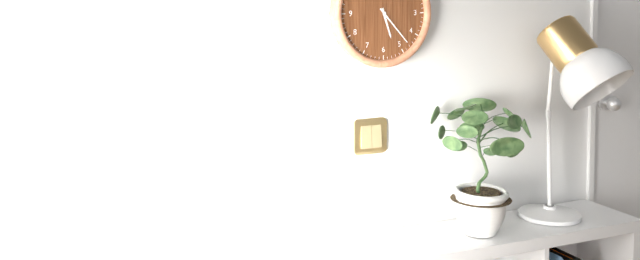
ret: {"hour": 5, "minute": 23}
